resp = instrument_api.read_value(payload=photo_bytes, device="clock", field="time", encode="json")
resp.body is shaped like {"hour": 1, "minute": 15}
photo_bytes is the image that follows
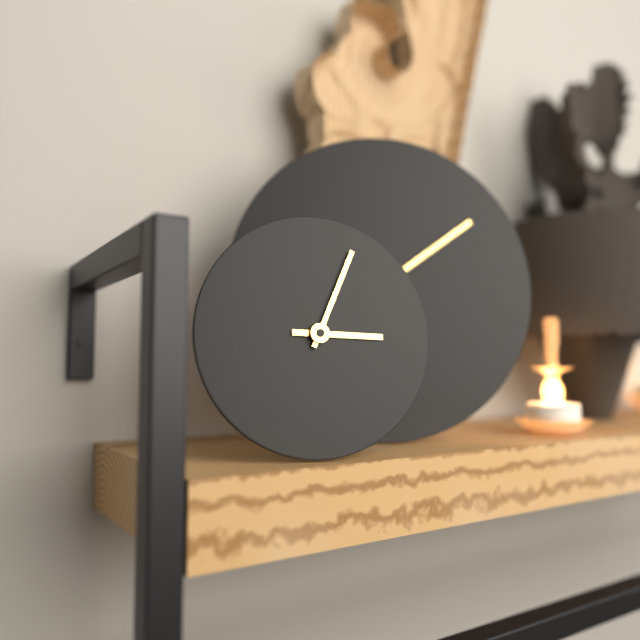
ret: {"hour": 3, "minute": 4}
